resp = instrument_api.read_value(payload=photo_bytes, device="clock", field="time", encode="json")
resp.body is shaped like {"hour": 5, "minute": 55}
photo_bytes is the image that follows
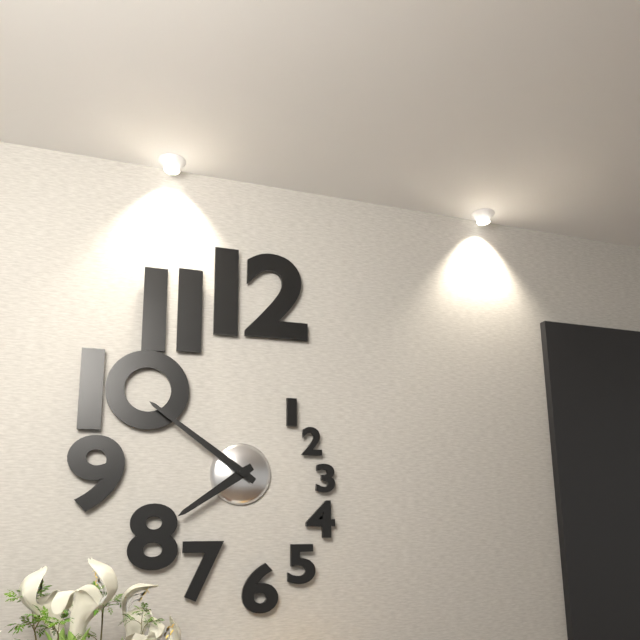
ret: {"hour": 7, "minute": 51}
